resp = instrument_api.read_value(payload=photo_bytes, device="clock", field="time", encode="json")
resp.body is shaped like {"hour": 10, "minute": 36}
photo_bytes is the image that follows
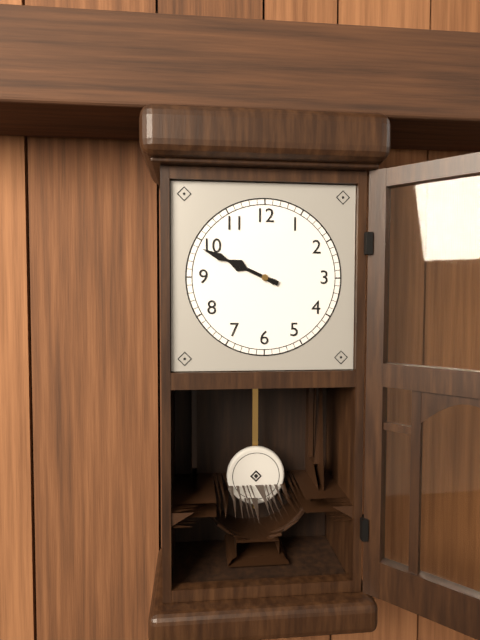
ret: {"hour": 9, "minute": 49}
